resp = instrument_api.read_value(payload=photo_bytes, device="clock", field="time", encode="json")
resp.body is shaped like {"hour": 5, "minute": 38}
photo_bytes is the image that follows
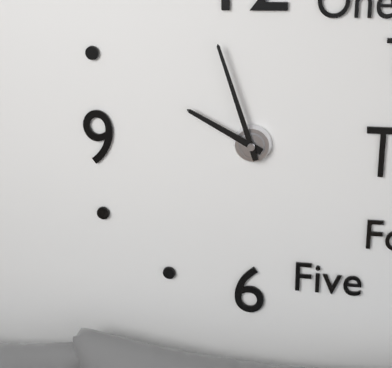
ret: {"hour": 9, "minute": 57}
